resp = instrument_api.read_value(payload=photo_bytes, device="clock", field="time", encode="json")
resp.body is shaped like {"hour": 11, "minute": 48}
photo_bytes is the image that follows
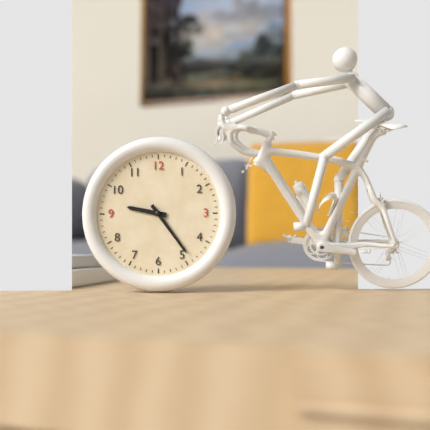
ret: {"hour": 9, "minute": 24}
